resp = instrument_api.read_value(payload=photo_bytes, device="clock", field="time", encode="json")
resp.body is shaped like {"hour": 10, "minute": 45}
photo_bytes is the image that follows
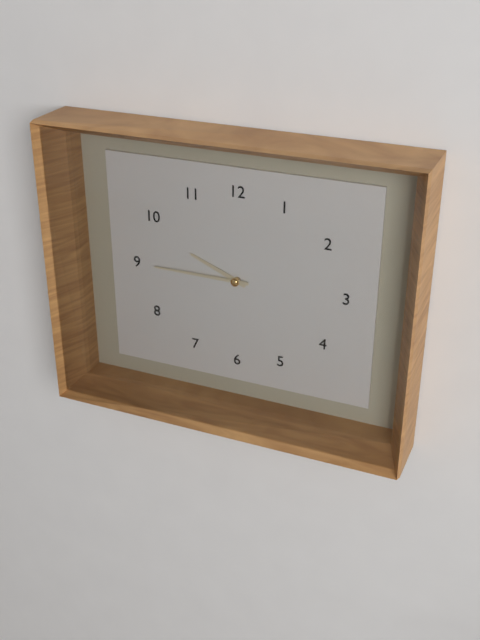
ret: {"hour": 9, "minute": 45}
